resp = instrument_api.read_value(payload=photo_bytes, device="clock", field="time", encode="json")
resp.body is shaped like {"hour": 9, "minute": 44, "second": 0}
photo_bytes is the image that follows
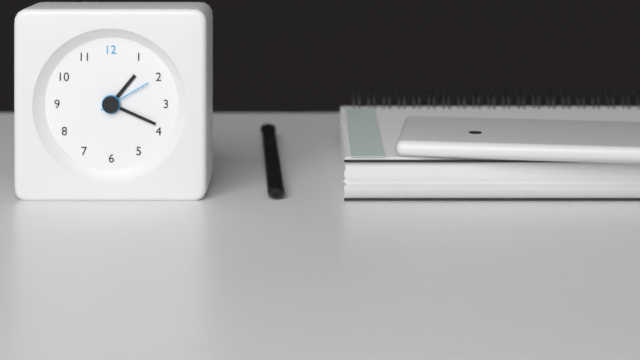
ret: {"hour": 1, "minute": 19, "second": 10}
